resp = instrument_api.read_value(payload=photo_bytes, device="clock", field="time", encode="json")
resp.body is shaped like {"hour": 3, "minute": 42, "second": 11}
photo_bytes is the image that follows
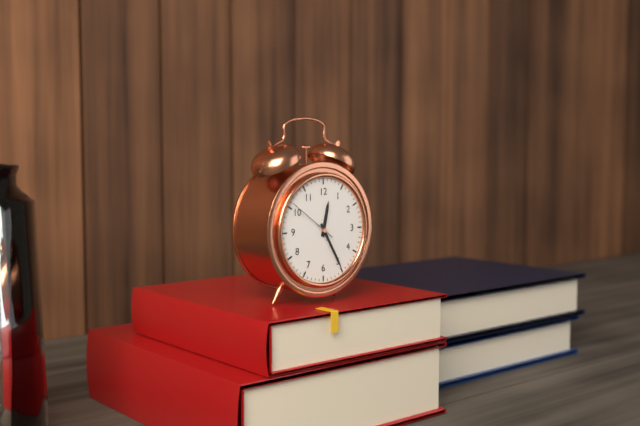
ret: {"hour": 12, "minute": 25, "second": 51}
